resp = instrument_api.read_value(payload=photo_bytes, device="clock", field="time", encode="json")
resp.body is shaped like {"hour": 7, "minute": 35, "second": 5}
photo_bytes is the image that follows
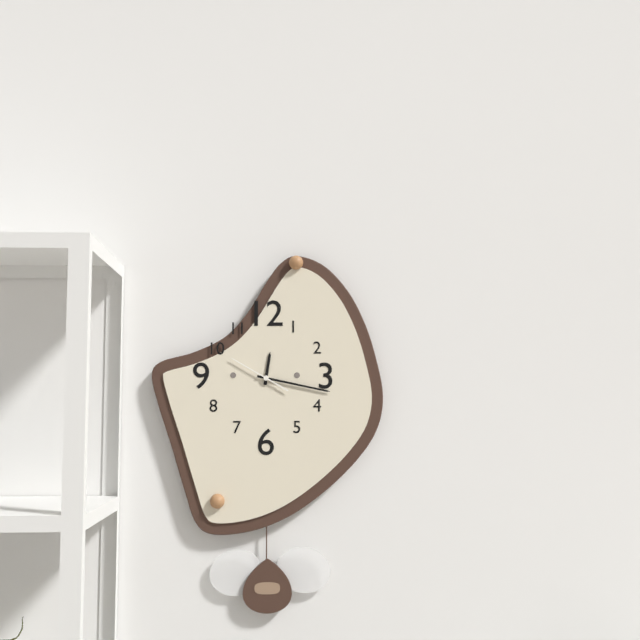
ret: {"hour": 12, "minute": 17, "second": 50}
